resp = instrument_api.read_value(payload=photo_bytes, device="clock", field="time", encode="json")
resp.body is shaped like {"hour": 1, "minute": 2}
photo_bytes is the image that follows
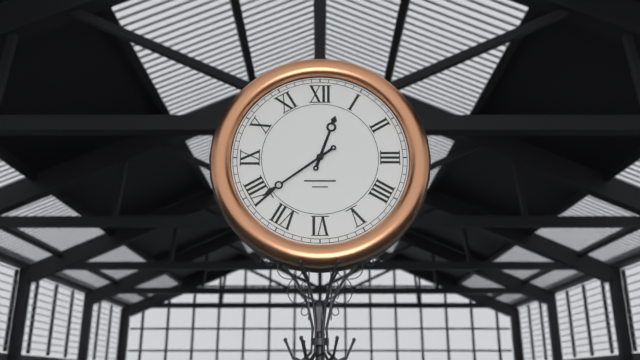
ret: {"hour": 12, "minute": 39}
